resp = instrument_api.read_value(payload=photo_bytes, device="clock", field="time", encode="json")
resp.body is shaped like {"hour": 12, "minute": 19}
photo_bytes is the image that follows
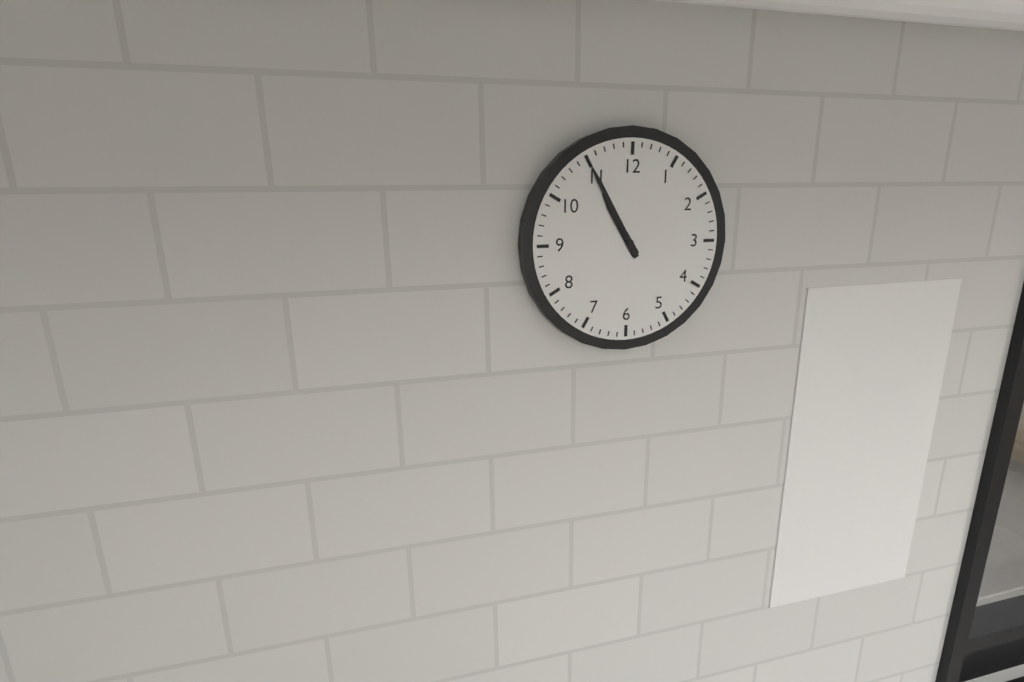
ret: {"hour": 10, "minute": 55}
